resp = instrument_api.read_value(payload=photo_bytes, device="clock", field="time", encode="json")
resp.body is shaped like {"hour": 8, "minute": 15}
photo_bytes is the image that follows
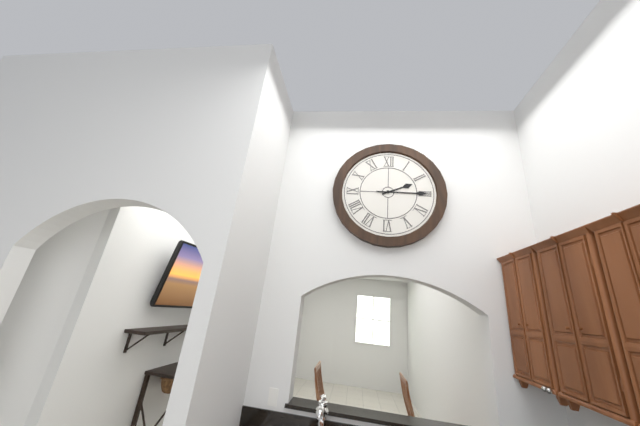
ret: {"hour": 2, "minute": 15}
